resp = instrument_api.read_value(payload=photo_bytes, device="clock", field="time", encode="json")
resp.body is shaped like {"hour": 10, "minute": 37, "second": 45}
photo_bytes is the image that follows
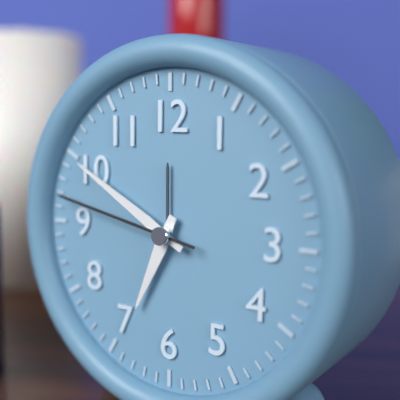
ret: {"hour": 6, "minute": 50, "second": 47}
